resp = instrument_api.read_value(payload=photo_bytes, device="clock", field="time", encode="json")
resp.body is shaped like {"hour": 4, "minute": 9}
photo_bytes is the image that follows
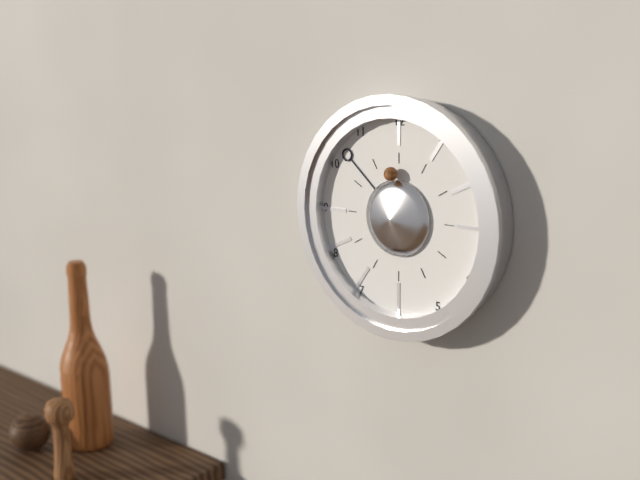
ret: {"hour": 11, "minute": 52}
